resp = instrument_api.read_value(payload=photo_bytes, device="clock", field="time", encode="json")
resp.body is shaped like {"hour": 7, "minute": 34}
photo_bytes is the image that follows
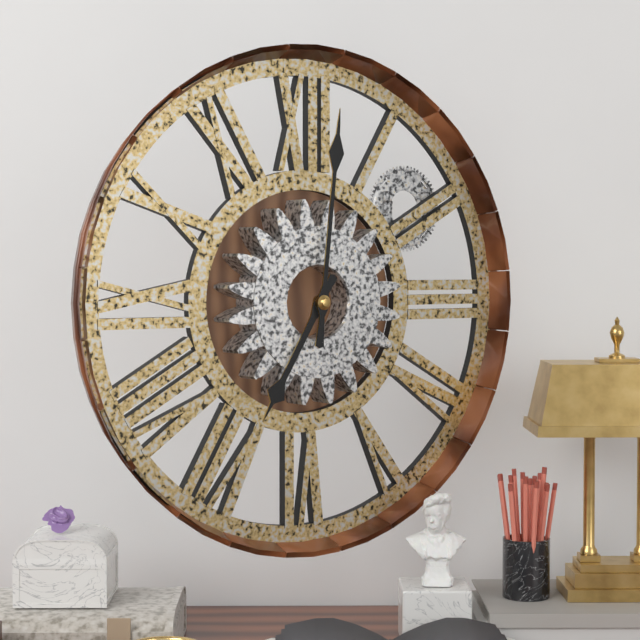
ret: {"hour": 7, "minute": 1}
